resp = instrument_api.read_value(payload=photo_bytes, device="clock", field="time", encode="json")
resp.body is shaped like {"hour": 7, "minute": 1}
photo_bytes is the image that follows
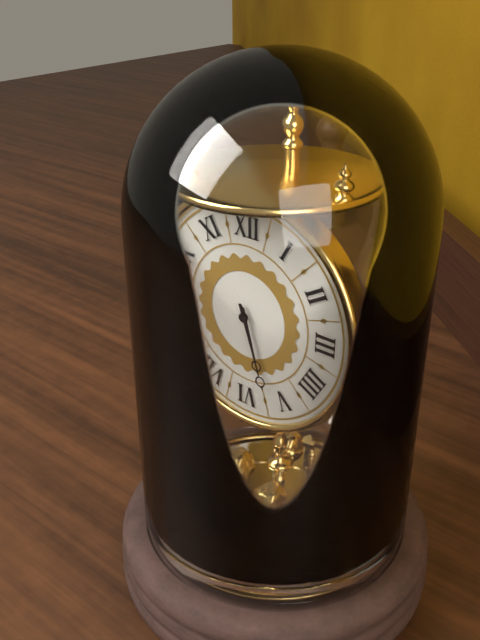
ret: {"hour": 5, "minute": 27}
